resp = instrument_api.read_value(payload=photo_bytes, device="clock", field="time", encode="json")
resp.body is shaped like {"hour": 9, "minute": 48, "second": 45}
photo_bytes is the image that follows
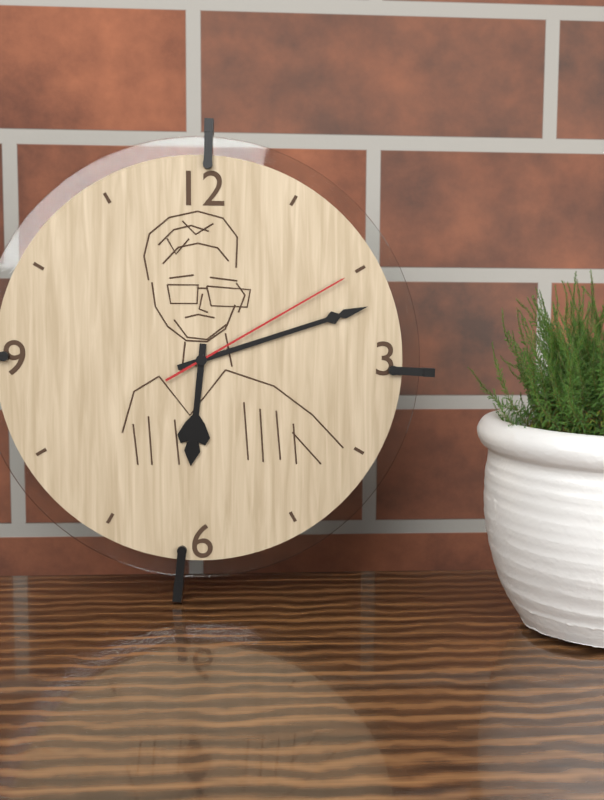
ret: {"hour": 6, "minute": 12, "second": 10}
